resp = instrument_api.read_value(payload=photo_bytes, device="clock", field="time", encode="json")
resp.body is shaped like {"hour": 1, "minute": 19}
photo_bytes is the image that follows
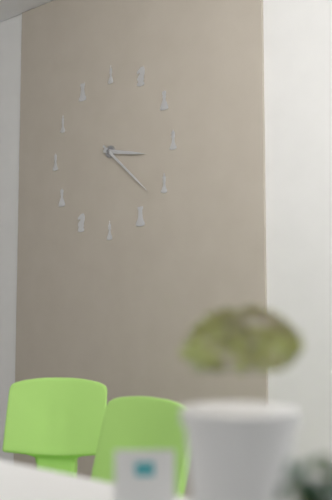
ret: {"hour": 3, "minute": 22}
